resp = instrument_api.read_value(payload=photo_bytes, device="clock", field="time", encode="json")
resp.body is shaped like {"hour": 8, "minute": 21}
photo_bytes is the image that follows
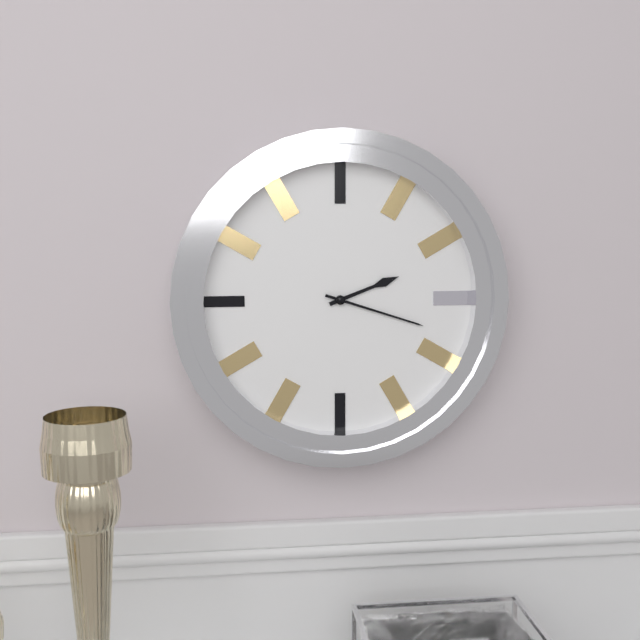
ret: {"hour": 2, "minute": 18}
